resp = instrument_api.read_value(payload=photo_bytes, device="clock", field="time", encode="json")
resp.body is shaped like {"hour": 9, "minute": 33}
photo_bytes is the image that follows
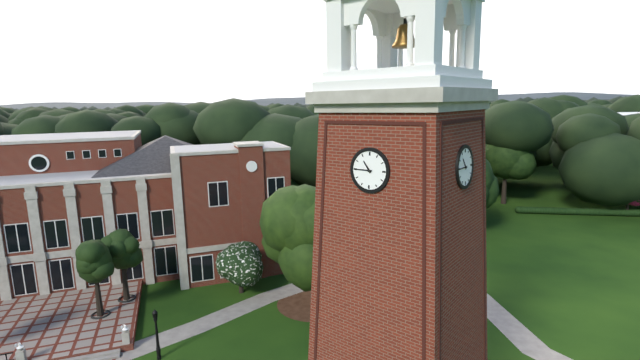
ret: {"hour": 10, "minute": 45}
